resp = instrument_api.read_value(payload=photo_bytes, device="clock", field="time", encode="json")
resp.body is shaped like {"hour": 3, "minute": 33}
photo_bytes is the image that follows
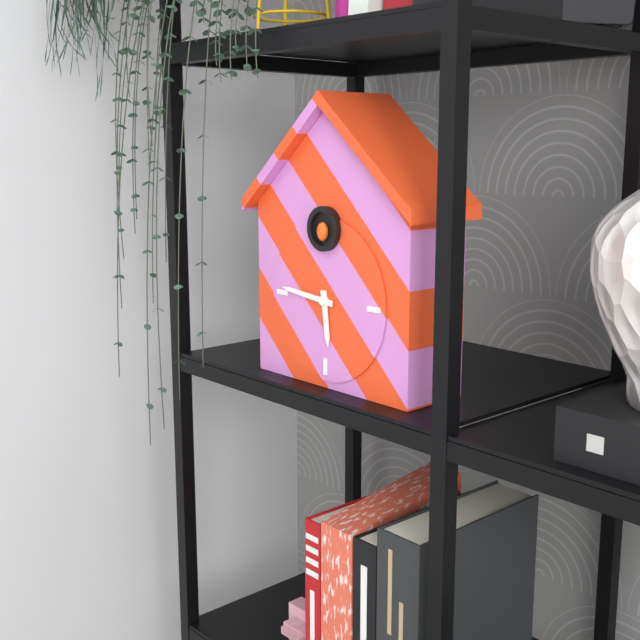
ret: {"hour": 5, "minute": 46}
